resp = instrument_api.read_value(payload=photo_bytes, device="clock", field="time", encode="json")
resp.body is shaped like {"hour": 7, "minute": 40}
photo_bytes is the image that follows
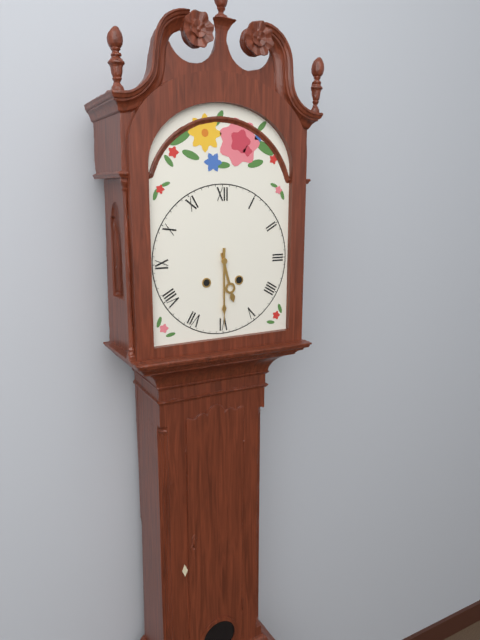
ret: {"hour": 5, "minute": 30}
